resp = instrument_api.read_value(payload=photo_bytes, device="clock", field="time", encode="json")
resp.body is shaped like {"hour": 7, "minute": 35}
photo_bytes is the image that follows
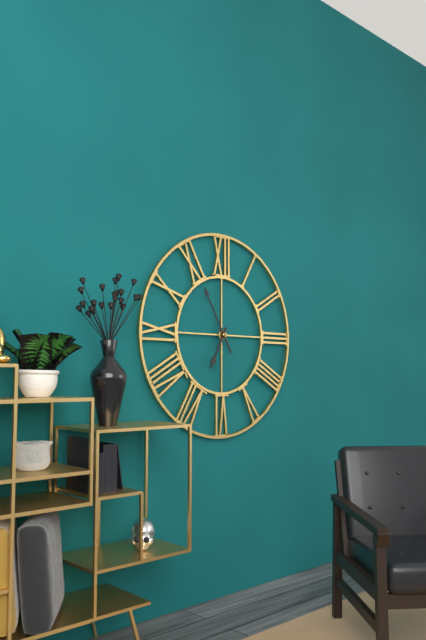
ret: {"hour": 6, "minute": 55}
